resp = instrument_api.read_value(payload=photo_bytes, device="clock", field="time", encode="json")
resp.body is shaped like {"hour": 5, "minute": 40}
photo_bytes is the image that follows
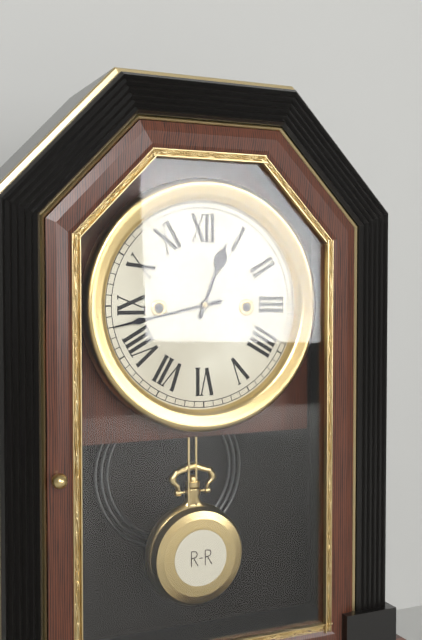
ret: {"hour": 12, "minute": 43}
